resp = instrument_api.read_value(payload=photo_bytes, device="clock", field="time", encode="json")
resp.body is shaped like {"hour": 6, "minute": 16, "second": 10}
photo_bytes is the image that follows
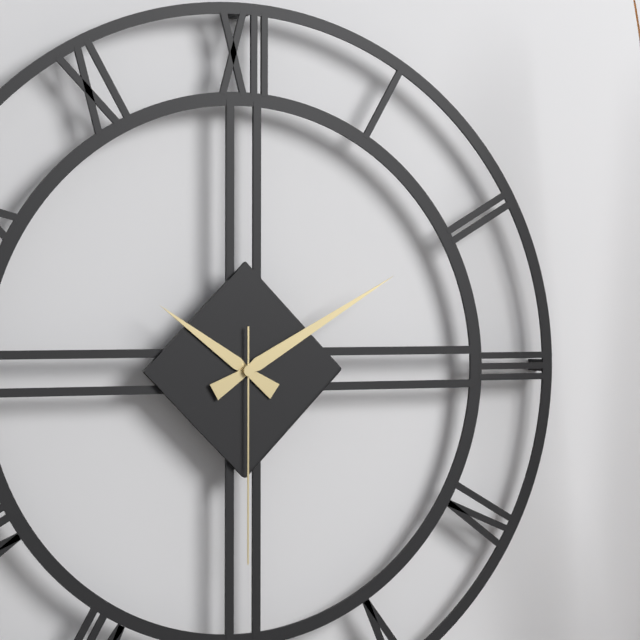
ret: {"hour": 10, "minute": 10, "second": 30}
